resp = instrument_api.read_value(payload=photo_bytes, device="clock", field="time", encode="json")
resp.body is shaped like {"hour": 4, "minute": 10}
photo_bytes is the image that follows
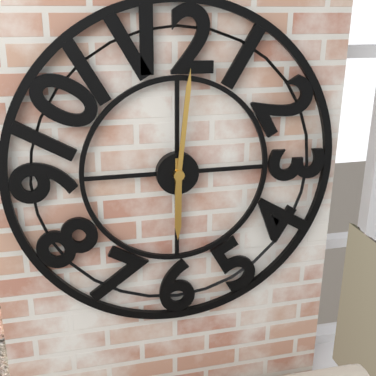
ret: {"hour": 6, "minute": 1}
